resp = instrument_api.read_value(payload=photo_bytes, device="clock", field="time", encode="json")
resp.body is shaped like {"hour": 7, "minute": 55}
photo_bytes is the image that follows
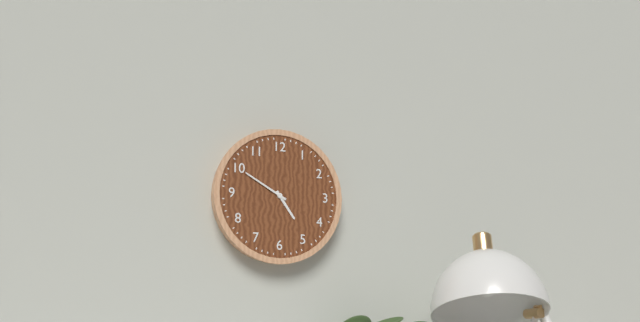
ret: {"hour": 4, "minute": 50}
